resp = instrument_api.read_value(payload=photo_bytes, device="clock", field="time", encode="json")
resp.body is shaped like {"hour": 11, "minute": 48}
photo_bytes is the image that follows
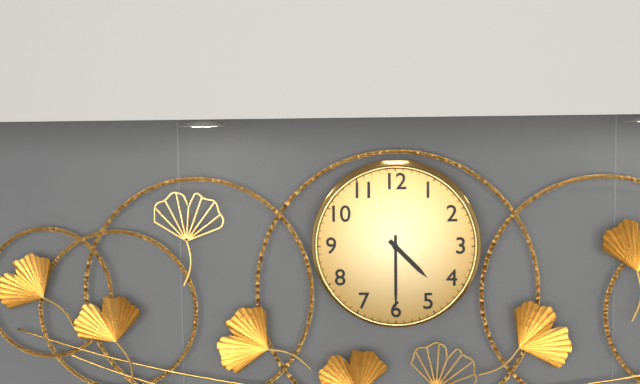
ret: {"hour": 4, "minute": 30}
